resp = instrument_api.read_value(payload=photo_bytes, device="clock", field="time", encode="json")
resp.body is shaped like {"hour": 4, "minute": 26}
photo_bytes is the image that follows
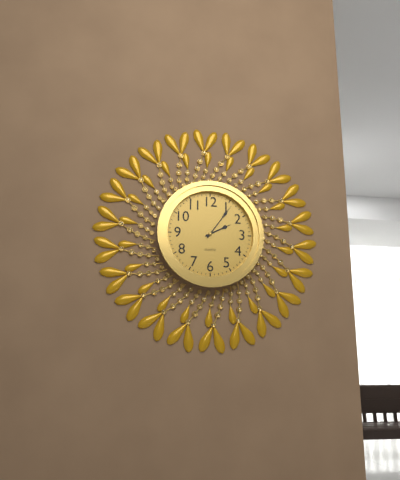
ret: {"hour": 2, "minute": 6}
